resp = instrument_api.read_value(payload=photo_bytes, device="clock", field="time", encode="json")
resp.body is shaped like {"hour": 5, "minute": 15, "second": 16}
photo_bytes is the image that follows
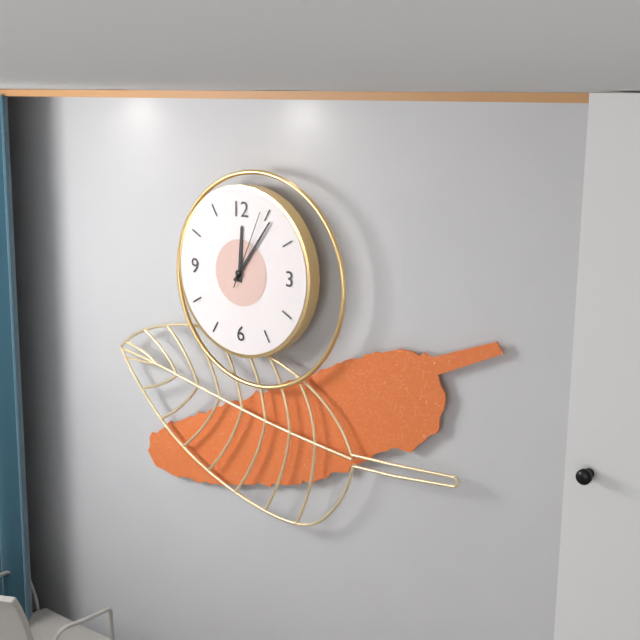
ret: {"hour": 12, "minute": 6, "second": 4}
